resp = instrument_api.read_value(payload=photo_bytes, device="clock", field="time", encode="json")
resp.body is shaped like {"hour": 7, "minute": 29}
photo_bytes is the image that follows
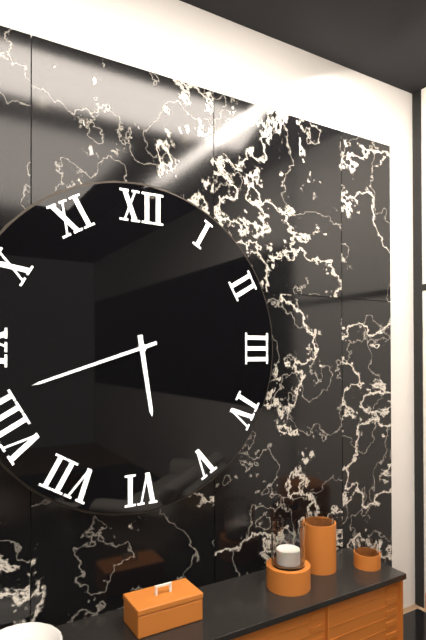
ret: {"hour": 5, "minute": 42}
